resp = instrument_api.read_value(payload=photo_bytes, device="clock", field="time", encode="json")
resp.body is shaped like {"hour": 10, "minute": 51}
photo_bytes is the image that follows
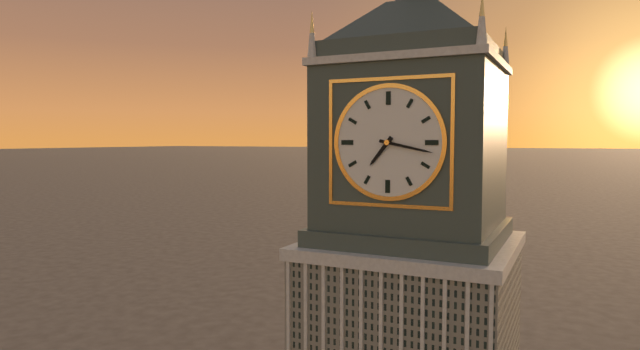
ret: {"hour": 7, "minute": 17}
